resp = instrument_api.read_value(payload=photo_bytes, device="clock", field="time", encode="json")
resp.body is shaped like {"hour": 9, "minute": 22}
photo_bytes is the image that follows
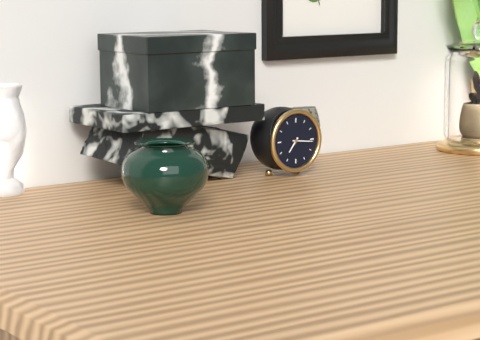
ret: {"hour": 7, "minute": 16}
